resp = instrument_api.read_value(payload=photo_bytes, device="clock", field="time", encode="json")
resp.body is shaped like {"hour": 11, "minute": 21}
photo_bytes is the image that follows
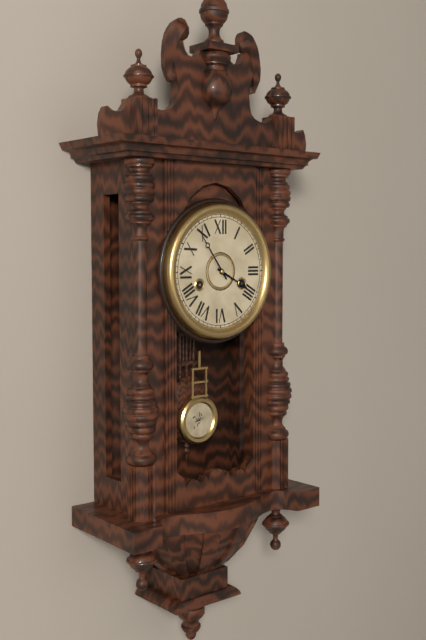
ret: {"hour": 3, "minute": 54}
